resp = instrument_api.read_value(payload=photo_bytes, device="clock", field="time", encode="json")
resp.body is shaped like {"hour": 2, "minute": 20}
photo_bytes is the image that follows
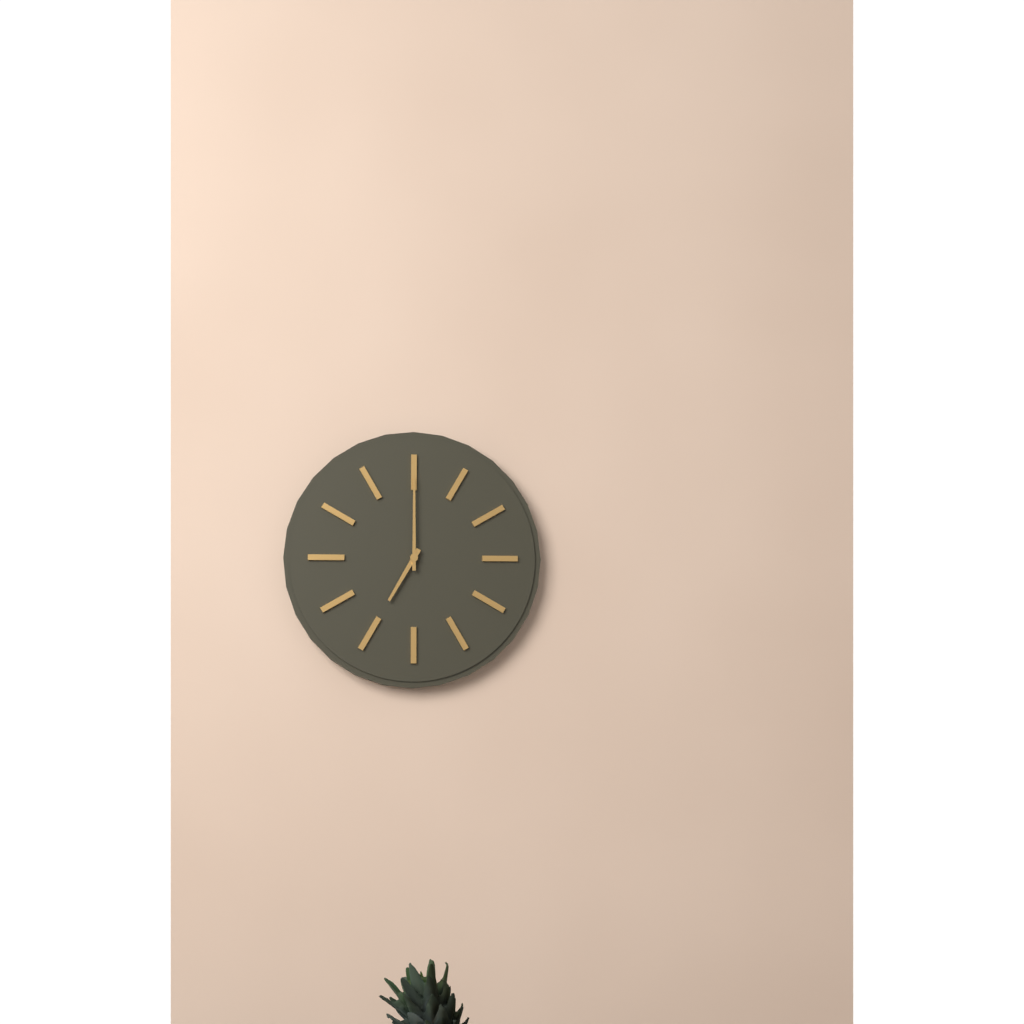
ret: {"hour": 7, "minute": 0}
